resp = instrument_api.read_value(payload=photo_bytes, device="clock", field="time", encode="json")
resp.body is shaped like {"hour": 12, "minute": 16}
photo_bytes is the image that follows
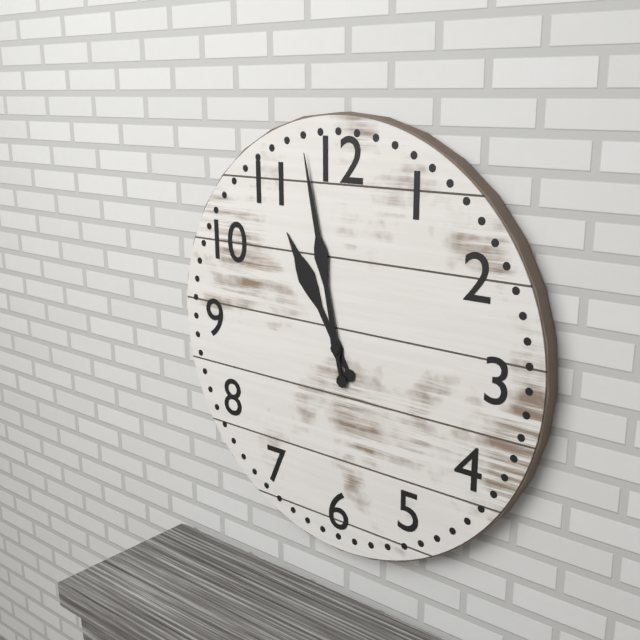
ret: {"hour": 10, "minute": 58}
